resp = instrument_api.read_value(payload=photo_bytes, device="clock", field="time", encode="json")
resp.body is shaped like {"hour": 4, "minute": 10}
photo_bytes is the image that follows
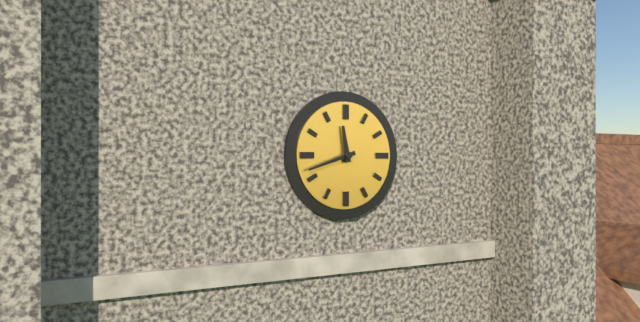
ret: {"hour": 11, "minute": 42}
